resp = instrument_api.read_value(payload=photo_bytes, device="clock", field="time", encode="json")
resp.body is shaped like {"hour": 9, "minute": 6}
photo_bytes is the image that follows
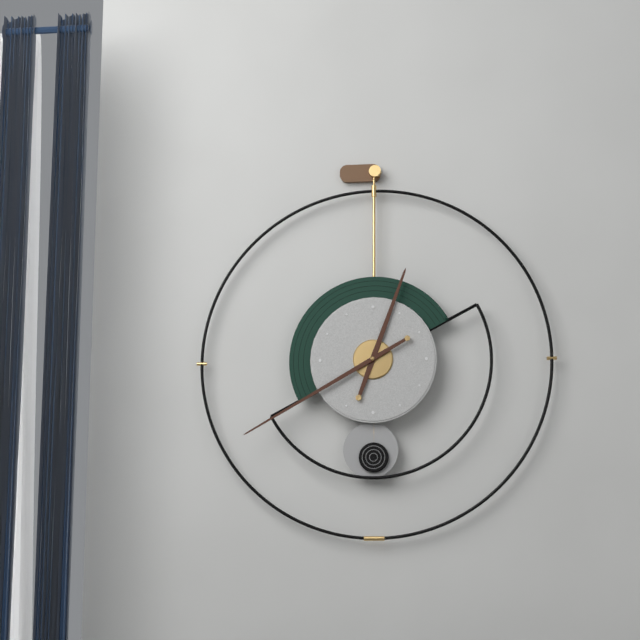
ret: {"hour": 12, "minute": 40}
